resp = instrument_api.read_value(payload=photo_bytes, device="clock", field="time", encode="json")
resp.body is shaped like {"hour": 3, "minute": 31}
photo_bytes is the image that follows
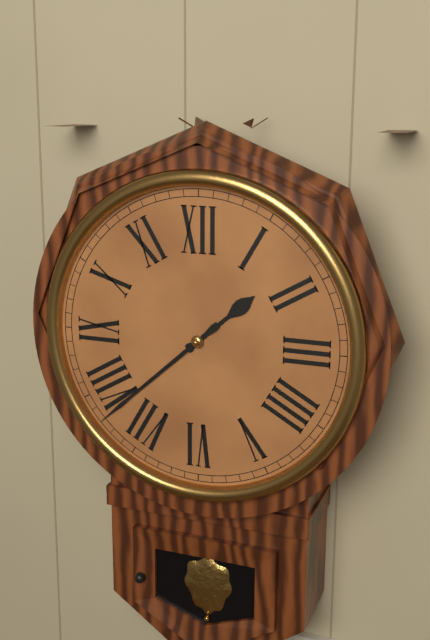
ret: {"hour": 1, "minute": 38}
